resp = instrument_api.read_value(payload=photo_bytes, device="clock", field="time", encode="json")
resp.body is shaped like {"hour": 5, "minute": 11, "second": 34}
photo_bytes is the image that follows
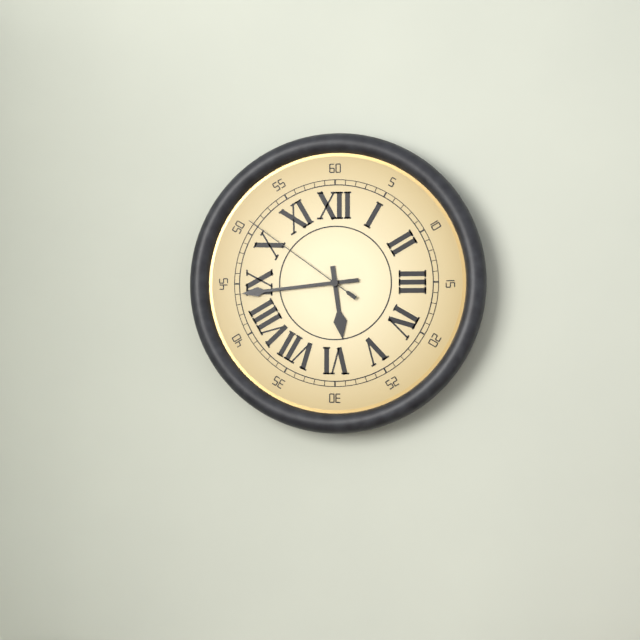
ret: {"hour": 5, "minute": 44, "second": 51}
